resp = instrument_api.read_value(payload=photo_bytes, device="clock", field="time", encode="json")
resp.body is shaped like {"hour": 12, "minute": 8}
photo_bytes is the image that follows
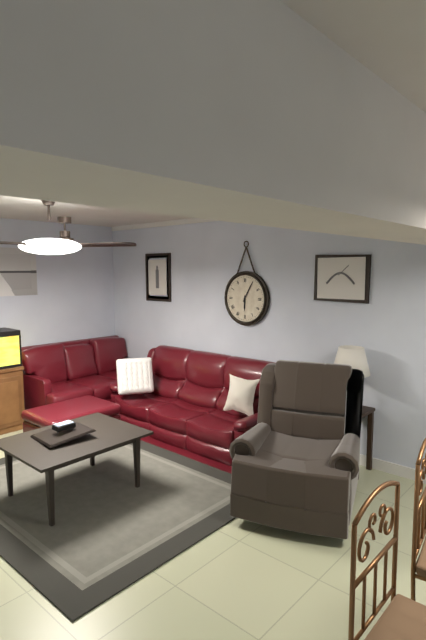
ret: {"hour": 6, "minute": 5}
